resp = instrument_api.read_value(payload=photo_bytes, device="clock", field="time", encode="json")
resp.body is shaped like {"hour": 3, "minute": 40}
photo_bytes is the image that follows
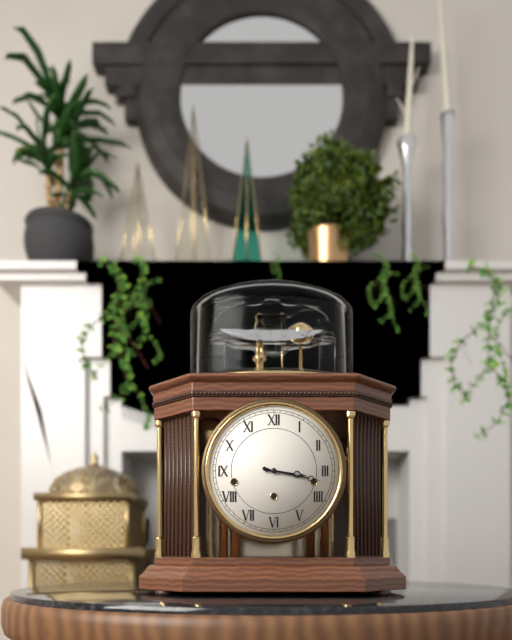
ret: {"hour": 3, "minute": 17}
